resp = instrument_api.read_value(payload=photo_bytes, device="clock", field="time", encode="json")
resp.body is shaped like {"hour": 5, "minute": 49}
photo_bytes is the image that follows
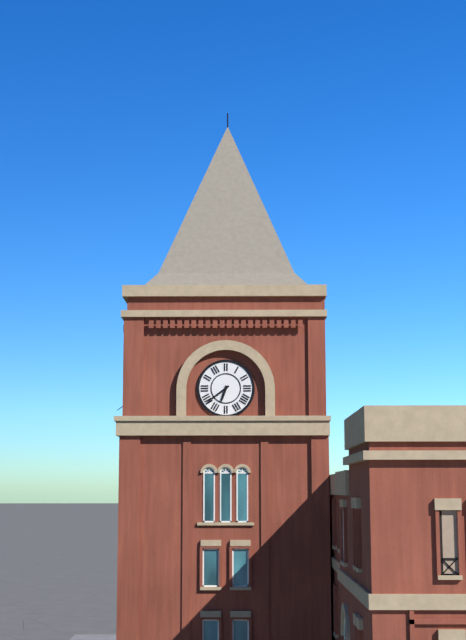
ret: {"hour": 6, "minute": 39}
